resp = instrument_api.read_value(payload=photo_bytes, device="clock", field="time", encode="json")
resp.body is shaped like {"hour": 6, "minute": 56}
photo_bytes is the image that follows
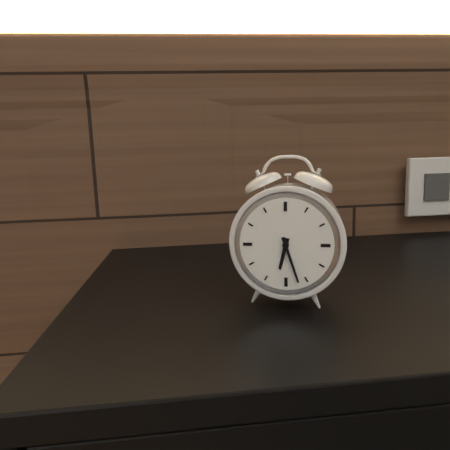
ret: {"hour": 6, "minute": 27}
